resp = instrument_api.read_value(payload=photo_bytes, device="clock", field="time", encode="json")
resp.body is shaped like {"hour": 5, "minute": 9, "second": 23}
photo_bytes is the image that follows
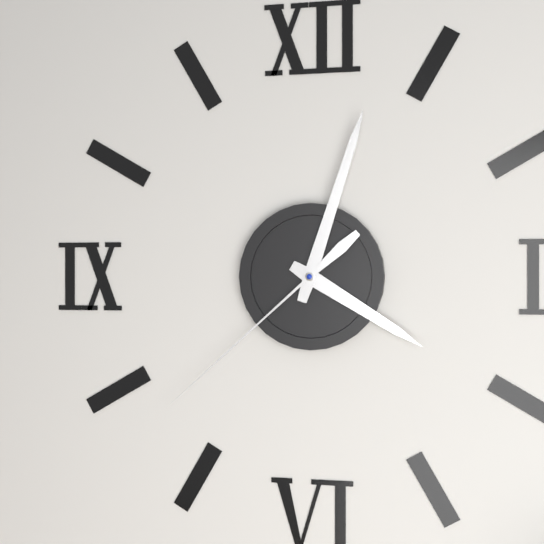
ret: {"hour": 4, "minute": 3, "second": 38}
